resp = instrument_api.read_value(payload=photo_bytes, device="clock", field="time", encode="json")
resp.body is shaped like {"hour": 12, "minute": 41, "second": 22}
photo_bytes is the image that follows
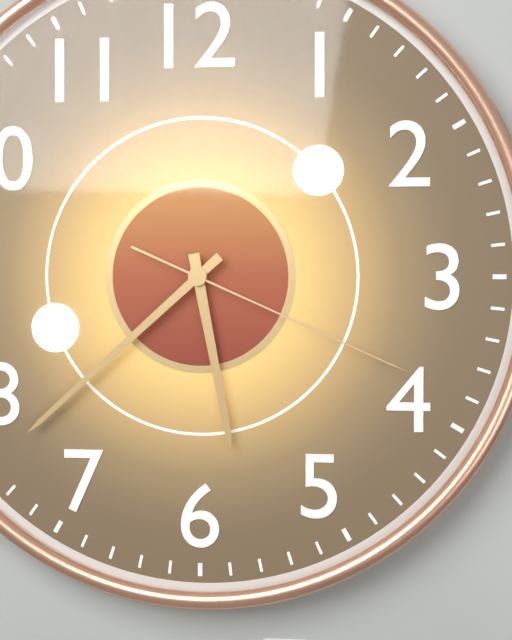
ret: {"hour": 5, "minute": 38, "second": 19}
